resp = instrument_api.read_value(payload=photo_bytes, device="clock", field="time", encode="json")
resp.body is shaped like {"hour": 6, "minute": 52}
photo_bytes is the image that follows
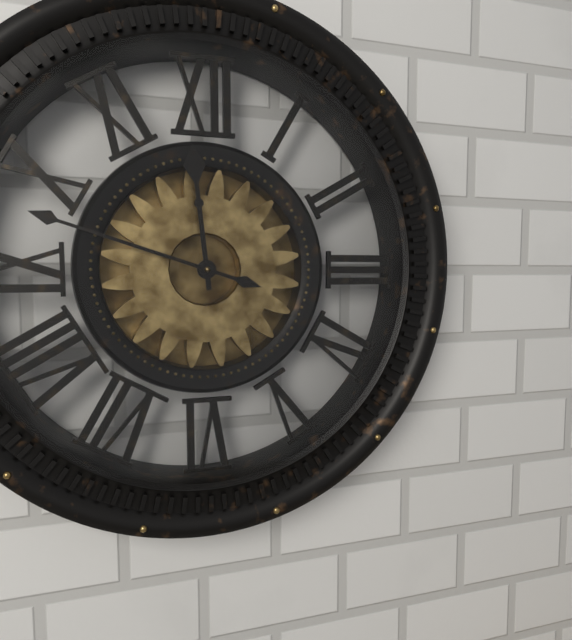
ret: {"hour": 11, "minute": 48}
